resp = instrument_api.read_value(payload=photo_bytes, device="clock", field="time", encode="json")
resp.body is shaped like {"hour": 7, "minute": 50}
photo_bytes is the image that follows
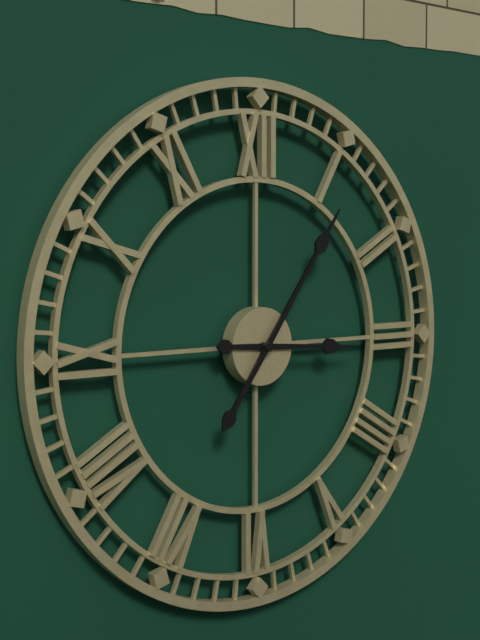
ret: {"hour": 3, "minute": 6}
